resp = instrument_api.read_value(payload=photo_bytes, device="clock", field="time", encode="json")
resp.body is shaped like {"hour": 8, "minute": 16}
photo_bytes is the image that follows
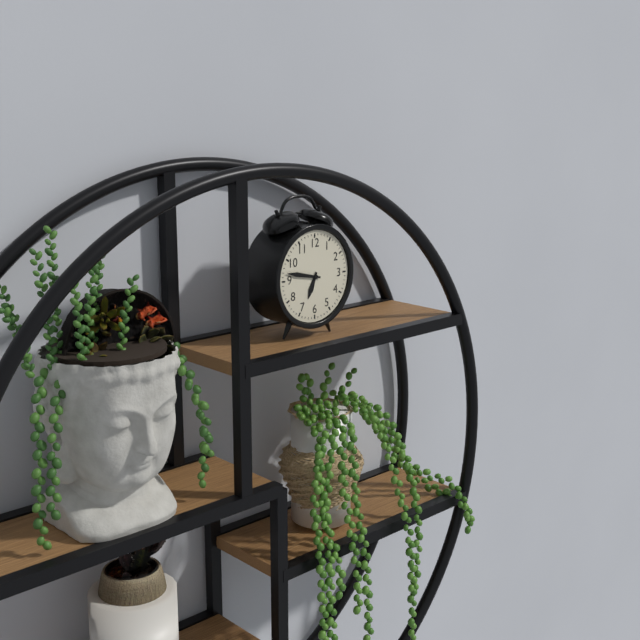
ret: {"hour": 6, "minute": 47}
